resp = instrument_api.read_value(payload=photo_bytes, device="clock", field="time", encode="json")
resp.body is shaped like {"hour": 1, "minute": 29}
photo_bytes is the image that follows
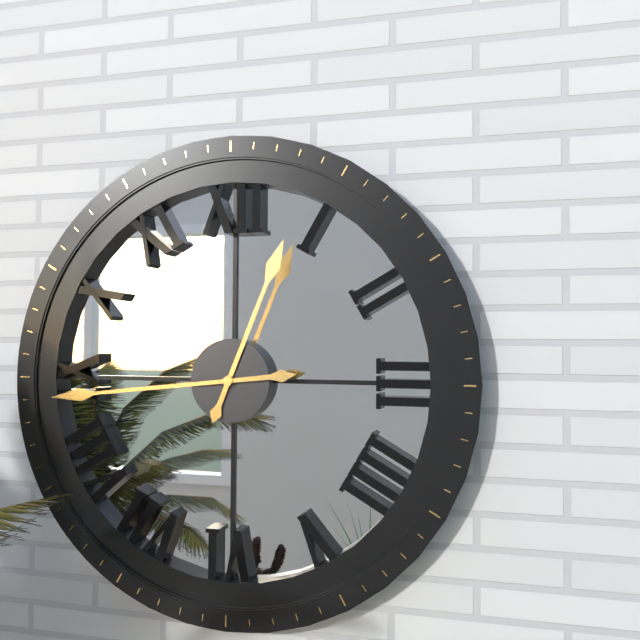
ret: {"hour": 12, "minute": 44}
